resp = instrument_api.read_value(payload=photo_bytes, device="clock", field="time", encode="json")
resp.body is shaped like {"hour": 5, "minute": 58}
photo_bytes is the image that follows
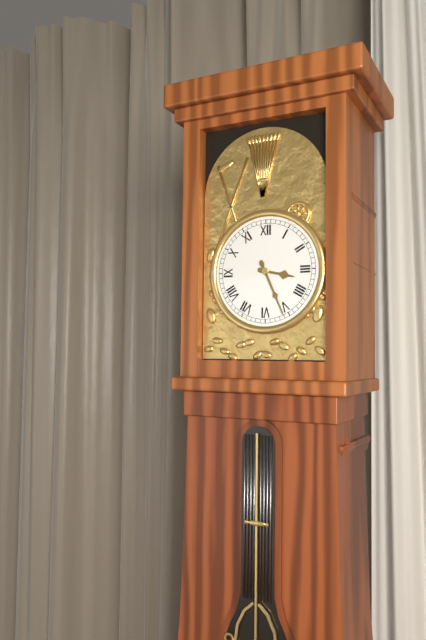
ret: {"hour": 3, "minute": 26}
